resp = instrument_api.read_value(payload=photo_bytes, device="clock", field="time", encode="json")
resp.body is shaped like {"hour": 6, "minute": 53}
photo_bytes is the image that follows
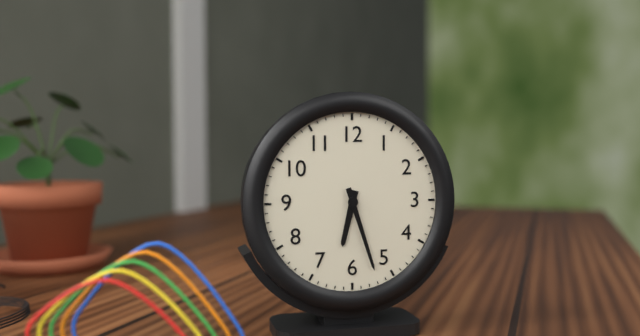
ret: {"hour": 6, "minute": 27}
